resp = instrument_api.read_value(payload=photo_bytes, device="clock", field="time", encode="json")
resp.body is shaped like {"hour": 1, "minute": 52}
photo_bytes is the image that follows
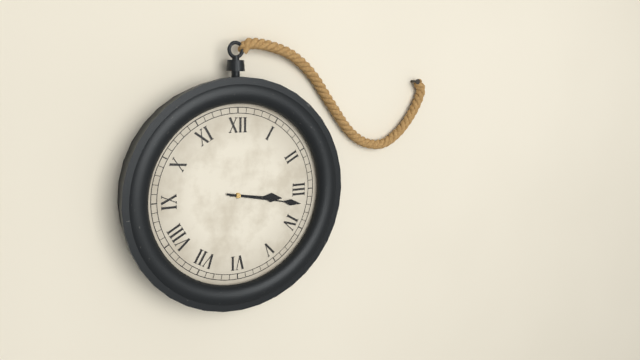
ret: {"hour": 3, "minute": 17}
